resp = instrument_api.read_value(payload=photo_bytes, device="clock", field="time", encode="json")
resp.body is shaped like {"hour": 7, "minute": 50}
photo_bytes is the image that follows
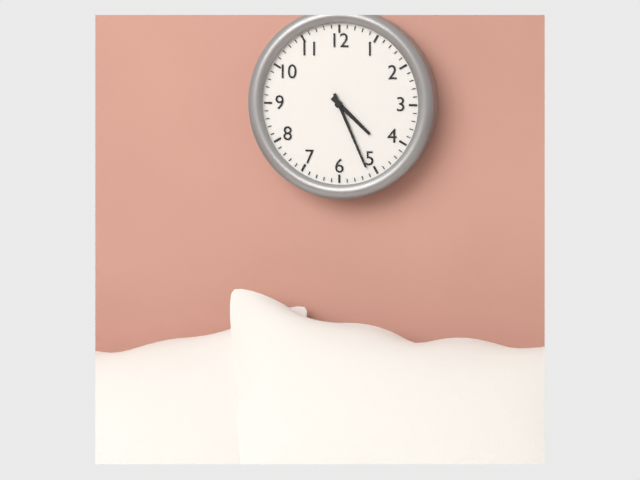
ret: {"hour": 4, "minute": 26}
